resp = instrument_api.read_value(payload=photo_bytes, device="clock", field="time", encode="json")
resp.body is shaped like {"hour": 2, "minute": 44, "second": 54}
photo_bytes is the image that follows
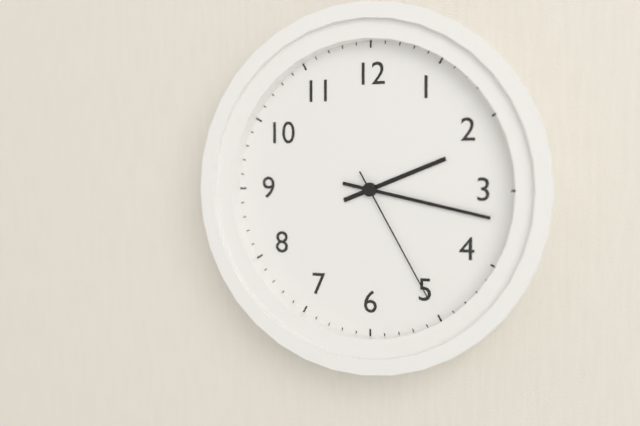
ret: {"hour": 2, "minute": 17, "second": 25}
